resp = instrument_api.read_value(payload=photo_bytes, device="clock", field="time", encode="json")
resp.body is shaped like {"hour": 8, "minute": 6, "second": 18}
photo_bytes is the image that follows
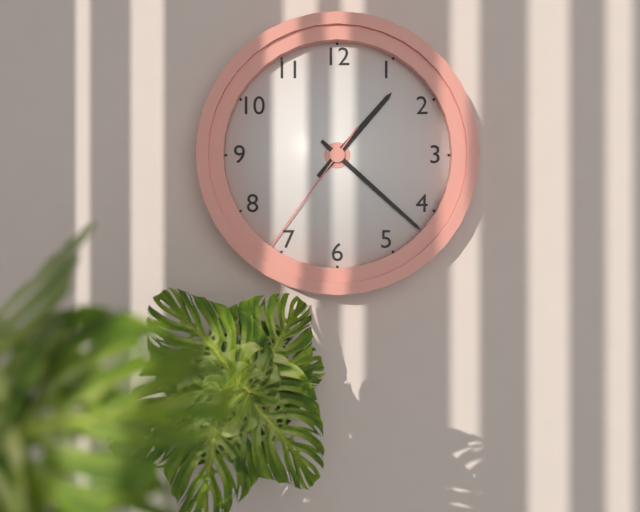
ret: {"hour": 1, "minute": 22, "second": 36}
